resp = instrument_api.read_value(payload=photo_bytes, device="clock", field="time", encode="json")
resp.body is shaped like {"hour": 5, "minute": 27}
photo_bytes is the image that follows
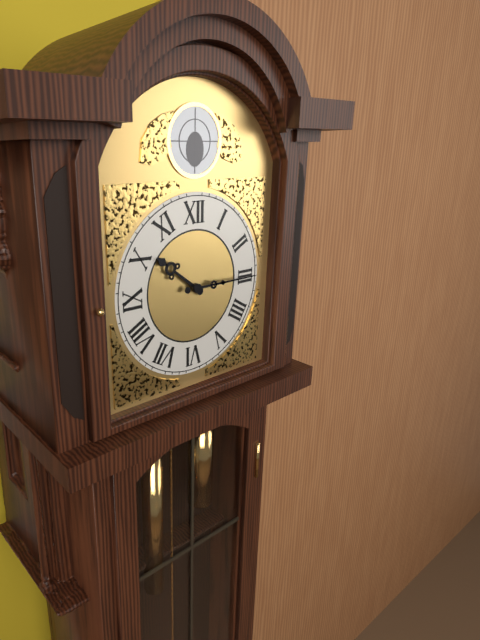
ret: {"hour": 10, "minute": 15}
